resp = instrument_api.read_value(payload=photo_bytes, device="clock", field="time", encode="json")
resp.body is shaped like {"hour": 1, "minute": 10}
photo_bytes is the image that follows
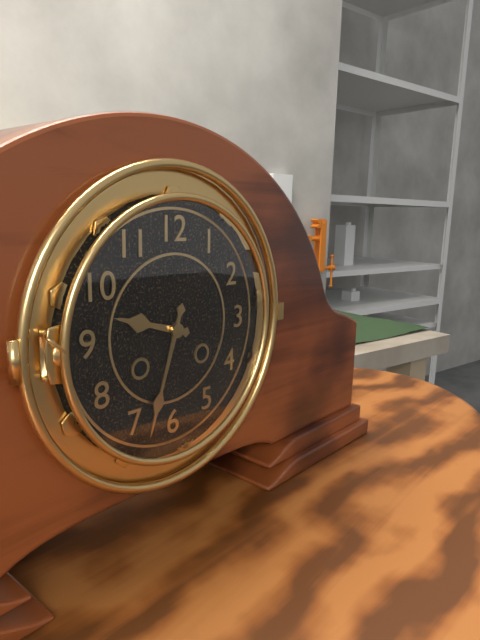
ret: {"hour": 9, "minute": 33}
